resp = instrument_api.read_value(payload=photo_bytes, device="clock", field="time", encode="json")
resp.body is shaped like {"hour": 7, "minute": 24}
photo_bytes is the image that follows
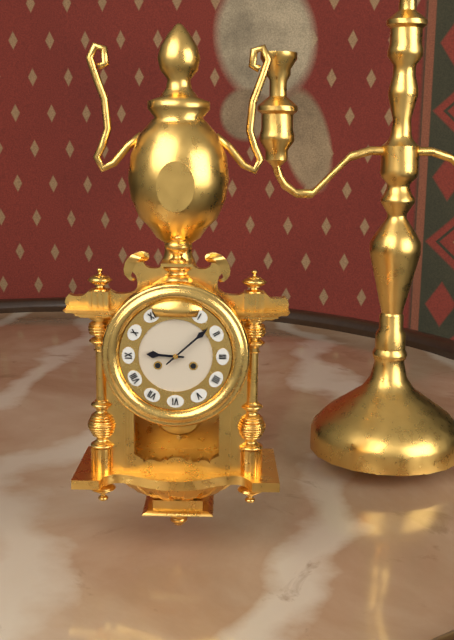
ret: {"hour": 9, "minute": 8}
